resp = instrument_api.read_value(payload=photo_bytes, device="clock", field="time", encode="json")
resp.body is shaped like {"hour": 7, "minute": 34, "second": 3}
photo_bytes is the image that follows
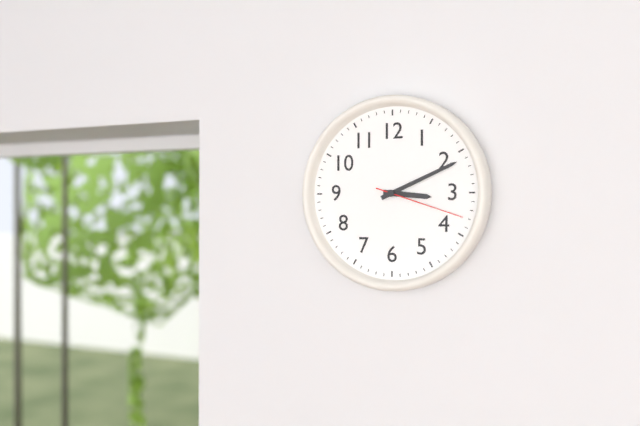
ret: {"hour": 3, "minute": 11, "second": 18}
